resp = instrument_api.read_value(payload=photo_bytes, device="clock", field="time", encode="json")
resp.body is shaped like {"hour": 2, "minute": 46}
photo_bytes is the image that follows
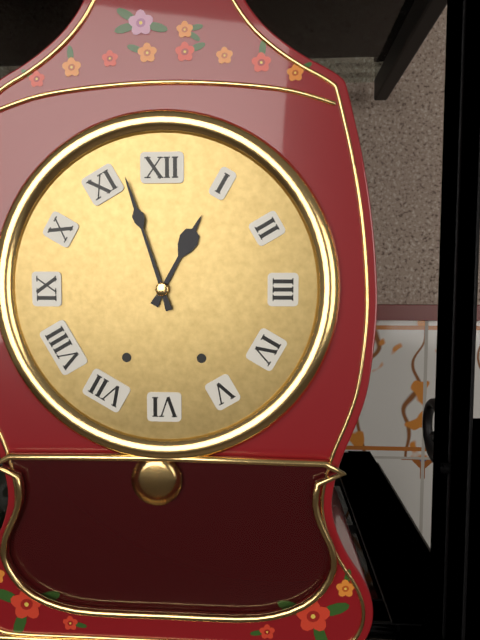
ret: {"hour": 12, "minute": 57}
